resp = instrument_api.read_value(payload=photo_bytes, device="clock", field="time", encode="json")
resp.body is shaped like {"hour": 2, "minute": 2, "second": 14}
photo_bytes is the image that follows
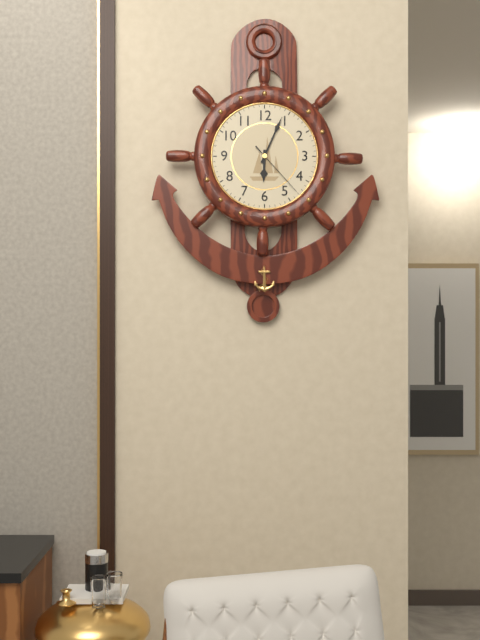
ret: {"hour": 6, "minute": 4, "second": 23}
